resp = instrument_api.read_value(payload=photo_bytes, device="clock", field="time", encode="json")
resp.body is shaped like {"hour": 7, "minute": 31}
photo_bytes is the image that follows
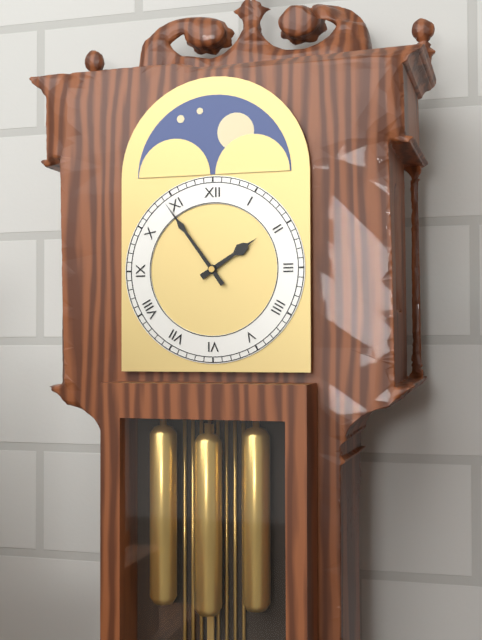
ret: {"hour": 1, "minute": 54}
